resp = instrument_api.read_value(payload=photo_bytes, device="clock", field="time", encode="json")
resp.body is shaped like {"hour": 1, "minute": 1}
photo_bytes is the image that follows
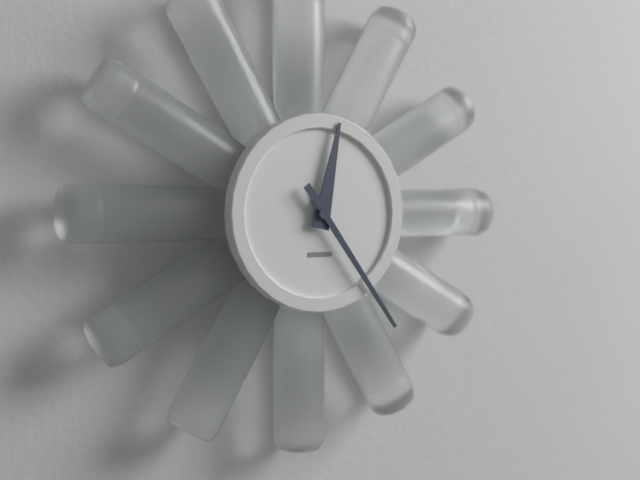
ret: {"hour": 12, "minute": 24}
